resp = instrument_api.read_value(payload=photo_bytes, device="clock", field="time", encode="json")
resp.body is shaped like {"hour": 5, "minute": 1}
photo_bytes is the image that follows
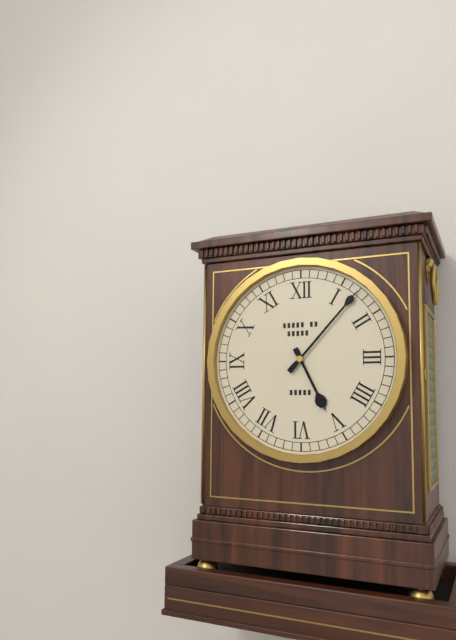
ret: {"hour": 5, "minute": 7}
